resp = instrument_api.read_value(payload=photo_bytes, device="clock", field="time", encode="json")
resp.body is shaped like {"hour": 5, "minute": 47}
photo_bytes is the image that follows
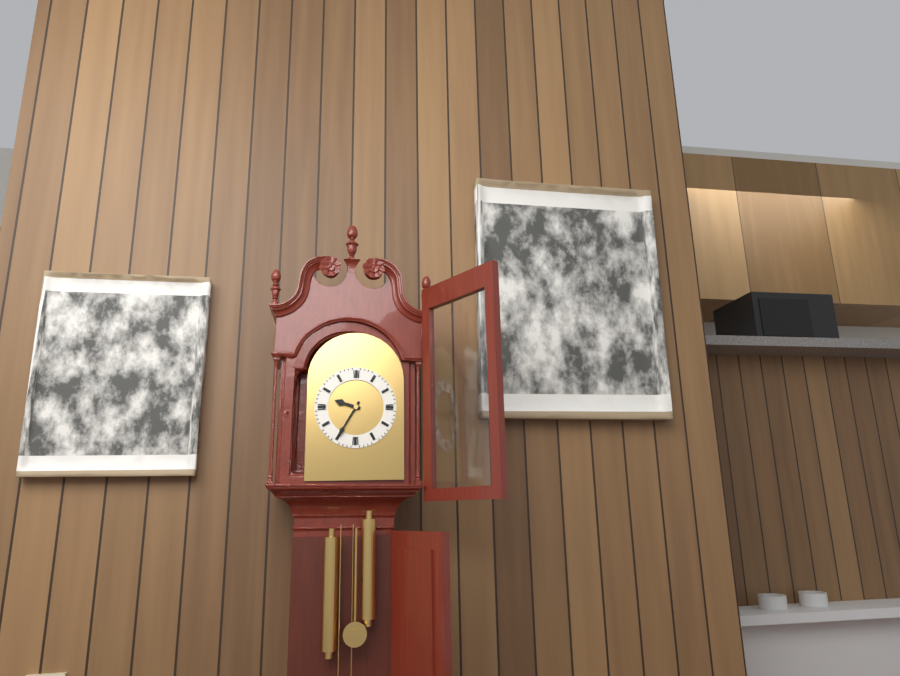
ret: {"hour": 9, "minute": 35}
